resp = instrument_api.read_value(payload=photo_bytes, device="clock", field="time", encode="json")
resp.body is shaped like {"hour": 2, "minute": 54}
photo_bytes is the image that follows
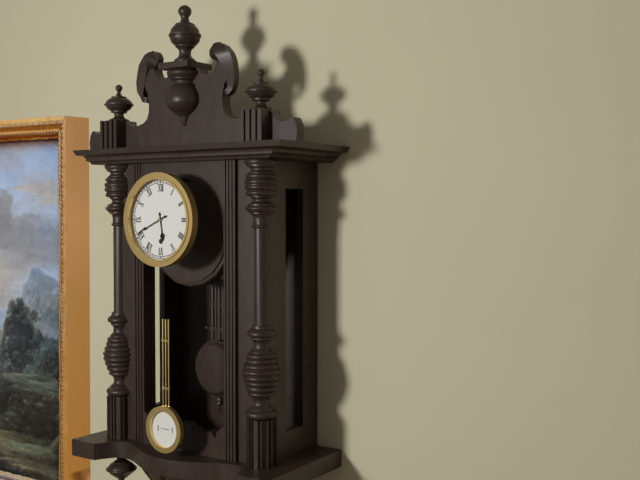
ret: {"hour": 5, "minute": 41}
